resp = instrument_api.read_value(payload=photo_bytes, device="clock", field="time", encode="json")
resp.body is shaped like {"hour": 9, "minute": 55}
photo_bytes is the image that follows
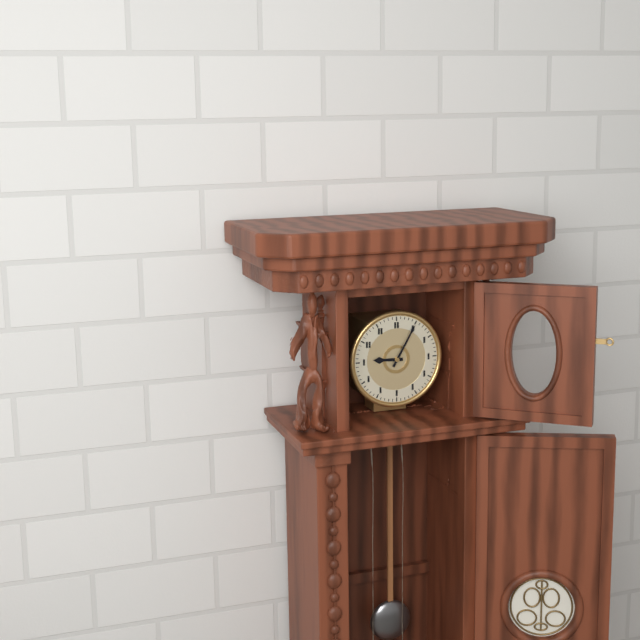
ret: {"hour": 9, "minute": 5}
